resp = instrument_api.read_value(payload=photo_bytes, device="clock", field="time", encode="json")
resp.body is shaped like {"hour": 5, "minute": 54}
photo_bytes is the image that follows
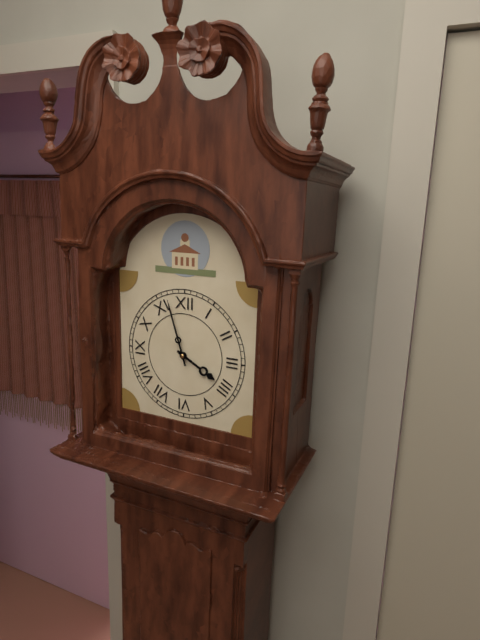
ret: {"hour": 3, "minute": 57}
